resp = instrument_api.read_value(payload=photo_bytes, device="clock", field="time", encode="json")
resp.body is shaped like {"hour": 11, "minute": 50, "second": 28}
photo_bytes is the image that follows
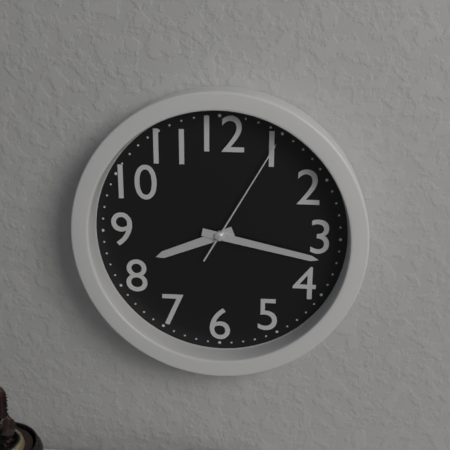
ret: {"hour": 8, "minute": 17, "second": 5}
